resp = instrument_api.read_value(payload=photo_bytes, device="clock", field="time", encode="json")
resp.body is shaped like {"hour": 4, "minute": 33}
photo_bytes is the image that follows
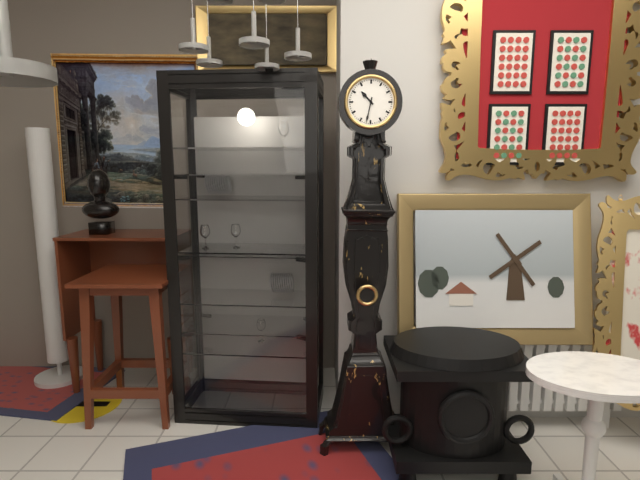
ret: {"hour": 10, "minute": 32}
